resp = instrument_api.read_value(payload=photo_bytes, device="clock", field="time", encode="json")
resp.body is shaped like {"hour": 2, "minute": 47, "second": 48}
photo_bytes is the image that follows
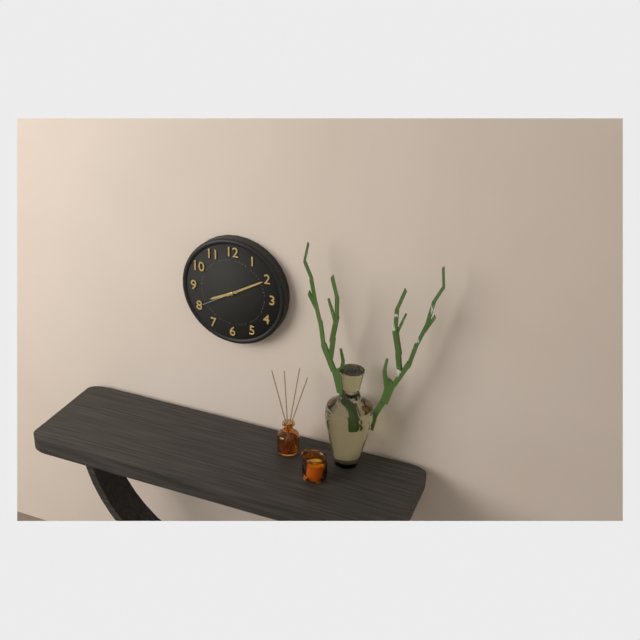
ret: {"hour": 8, "minute": 10, "second": 40}
